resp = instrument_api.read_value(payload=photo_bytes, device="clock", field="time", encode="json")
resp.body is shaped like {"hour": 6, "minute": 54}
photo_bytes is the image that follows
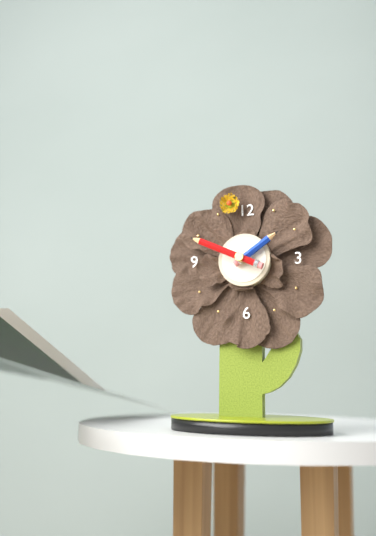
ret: {"hour": 1, "minute": 49}
